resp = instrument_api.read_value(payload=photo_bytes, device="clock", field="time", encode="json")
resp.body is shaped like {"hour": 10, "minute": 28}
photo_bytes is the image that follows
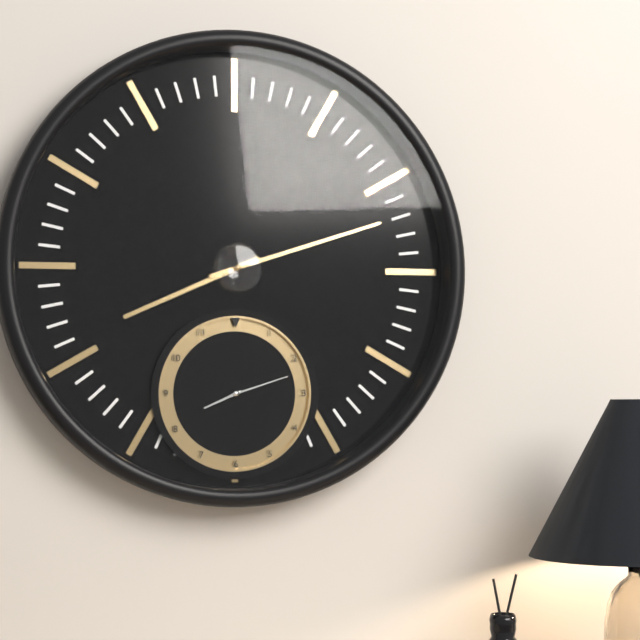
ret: {"hour": 8, "minute": 12}
